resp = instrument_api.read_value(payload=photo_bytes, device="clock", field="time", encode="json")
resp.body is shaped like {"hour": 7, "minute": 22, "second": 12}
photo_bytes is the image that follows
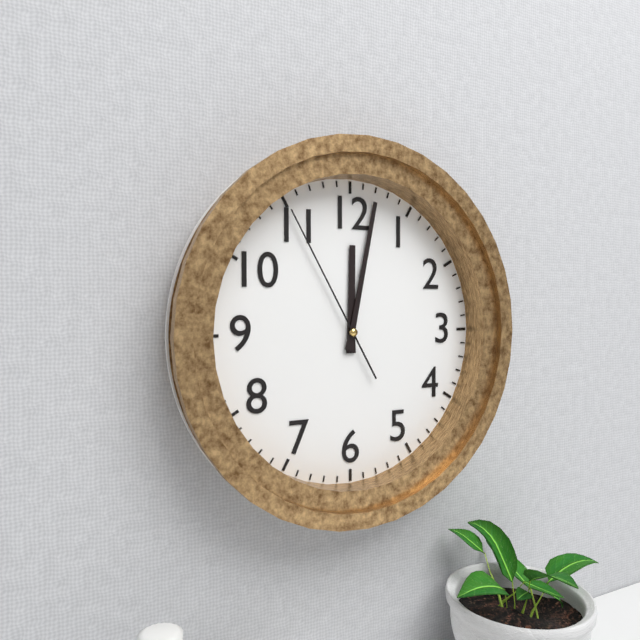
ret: {"hour": 12, "minute": 2, "second": 55}
